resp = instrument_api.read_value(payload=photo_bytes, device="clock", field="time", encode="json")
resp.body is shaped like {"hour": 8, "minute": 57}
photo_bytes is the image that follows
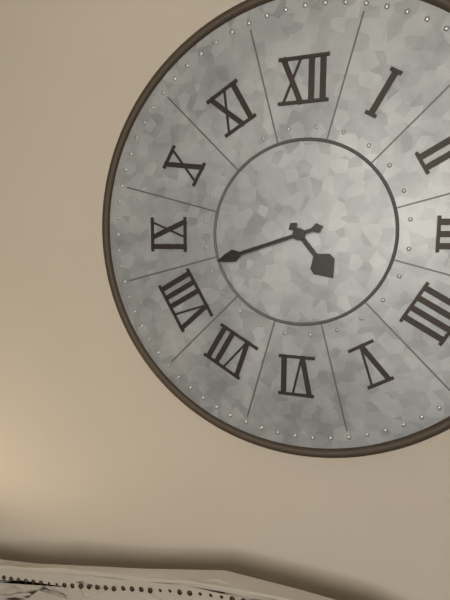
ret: {"hour": 4, "minute": 42}
